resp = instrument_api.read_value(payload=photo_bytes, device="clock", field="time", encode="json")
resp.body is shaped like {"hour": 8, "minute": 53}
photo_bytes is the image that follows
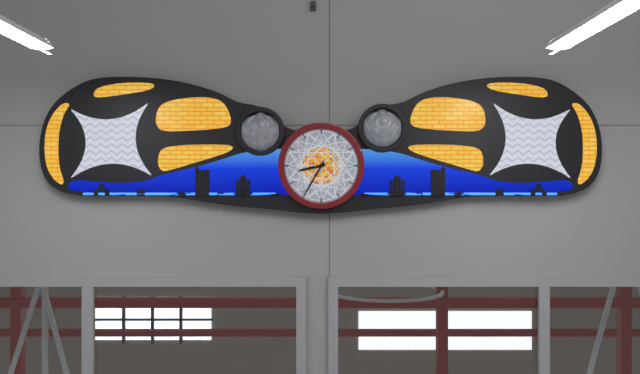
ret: {"hour": 8, "minute": 35}
